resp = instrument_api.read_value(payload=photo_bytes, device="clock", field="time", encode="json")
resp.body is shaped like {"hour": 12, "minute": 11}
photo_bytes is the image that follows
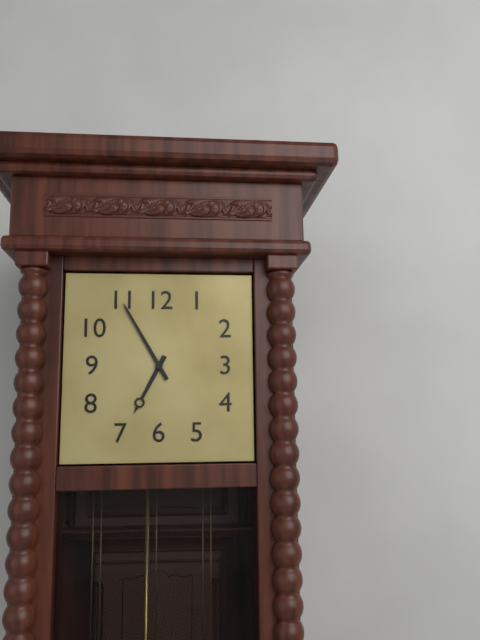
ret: {"hour": 6, "minute": 55}
